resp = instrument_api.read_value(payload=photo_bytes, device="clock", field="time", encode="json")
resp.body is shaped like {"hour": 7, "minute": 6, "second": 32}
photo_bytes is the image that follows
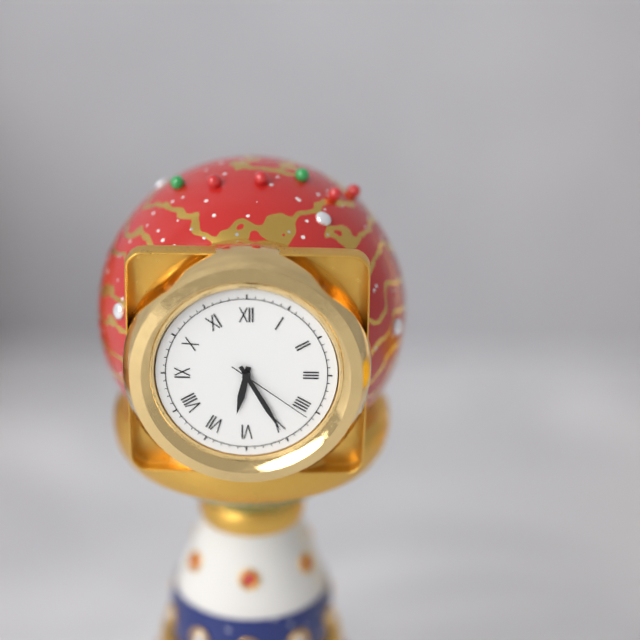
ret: {"hour": 6, "minute": 25, "second": 21}
